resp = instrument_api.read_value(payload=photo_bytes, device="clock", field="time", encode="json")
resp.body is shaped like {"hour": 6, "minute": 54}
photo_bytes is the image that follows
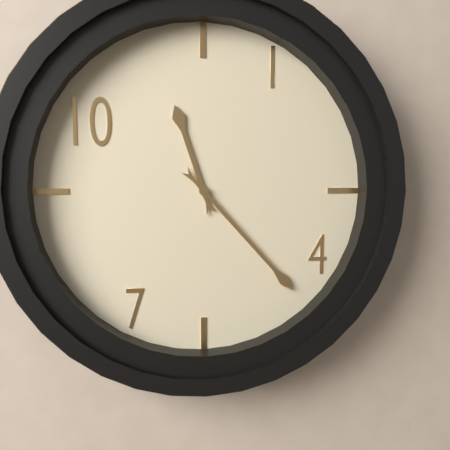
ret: {"hour": 11, "minute": 23}
